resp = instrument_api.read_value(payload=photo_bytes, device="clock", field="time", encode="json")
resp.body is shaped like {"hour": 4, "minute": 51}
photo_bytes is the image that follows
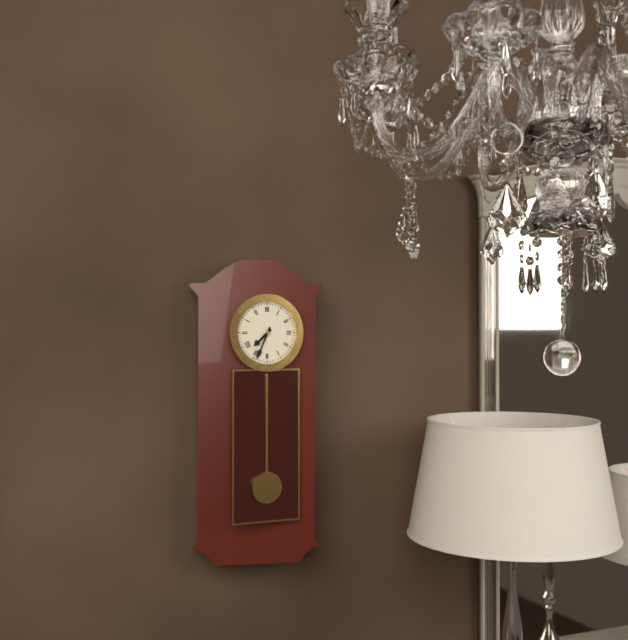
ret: {"hour": 7, "minute": 34}
